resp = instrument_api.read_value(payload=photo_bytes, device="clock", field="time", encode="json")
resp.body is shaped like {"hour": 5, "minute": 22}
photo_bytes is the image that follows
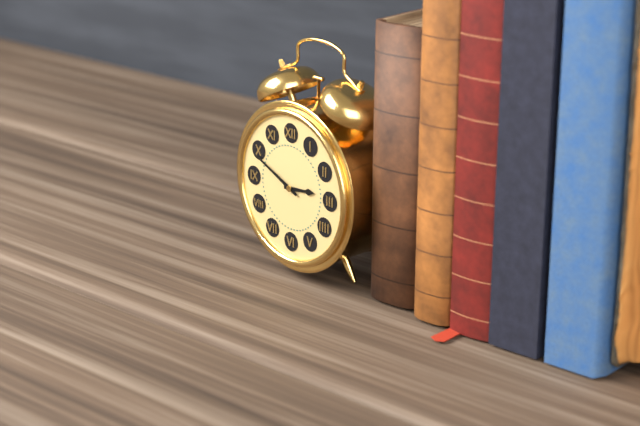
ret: {"hour": 2, "minute": 49}
